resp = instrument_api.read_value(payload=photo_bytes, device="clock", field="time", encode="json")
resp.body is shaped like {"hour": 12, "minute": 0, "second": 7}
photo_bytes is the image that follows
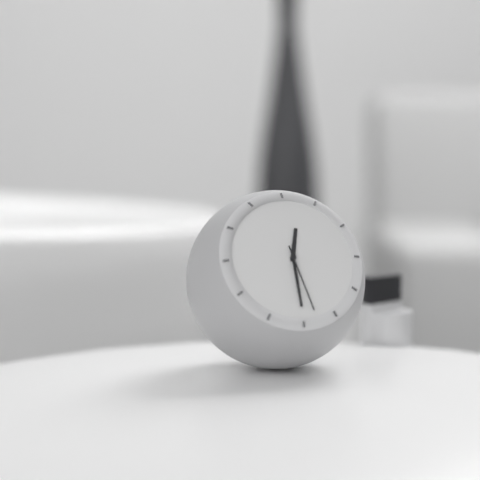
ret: {"hour": 12, "minute": 30, "second": 28}
